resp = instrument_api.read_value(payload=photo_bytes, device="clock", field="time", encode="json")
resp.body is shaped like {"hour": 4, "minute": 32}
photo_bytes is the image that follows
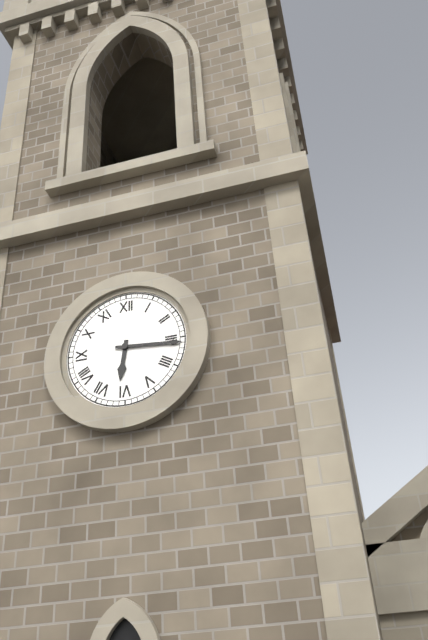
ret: {"hour": 6, "minute": 16}
